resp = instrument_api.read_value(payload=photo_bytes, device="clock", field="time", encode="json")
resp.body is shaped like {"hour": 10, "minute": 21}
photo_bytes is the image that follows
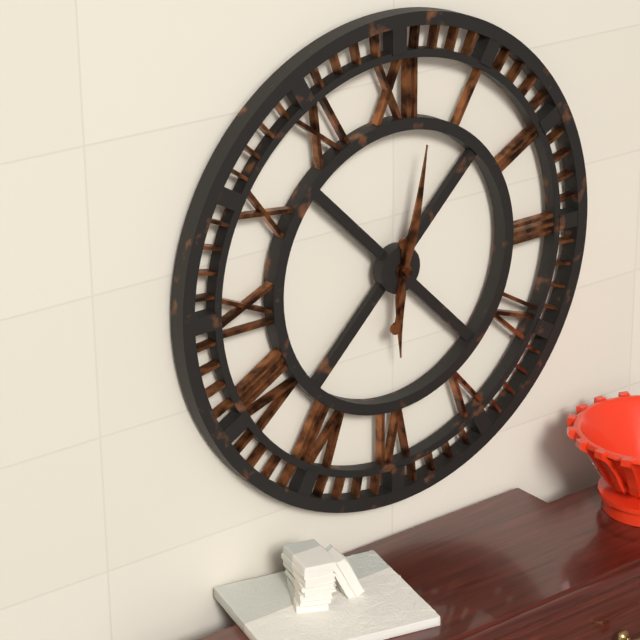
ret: {"hour": 6, "minute": 2}
